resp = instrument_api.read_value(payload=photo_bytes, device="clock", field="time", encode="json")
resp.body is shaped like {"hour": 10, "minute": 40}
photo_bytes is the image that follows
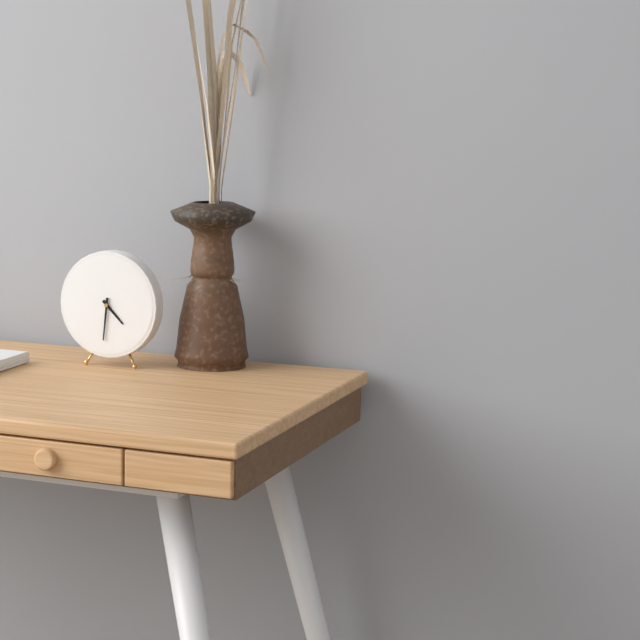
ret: {"hour": 4, "minute": 31}
